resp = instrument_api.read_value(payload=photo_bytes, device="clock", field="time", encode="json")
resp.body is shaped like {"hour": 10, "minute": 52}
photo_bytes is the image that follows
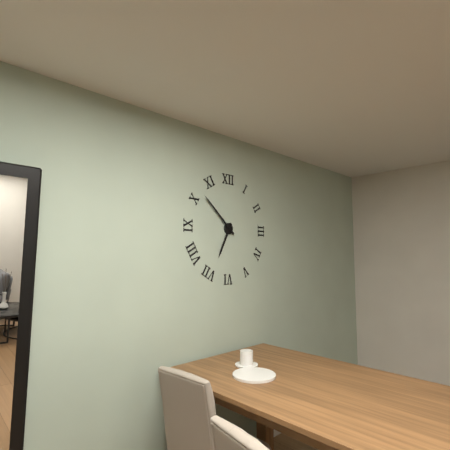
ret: {"hour": 6, "minute": 52}
